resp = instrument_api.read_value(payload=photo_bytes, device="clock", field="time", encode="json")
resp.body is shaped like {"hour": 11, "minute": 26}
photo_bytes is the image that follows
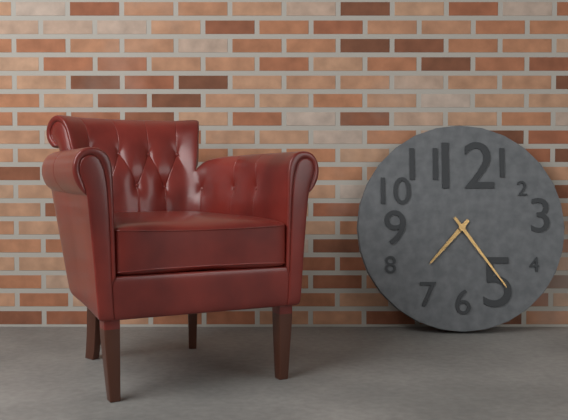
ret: {"hour": 7, "minute": 24}
